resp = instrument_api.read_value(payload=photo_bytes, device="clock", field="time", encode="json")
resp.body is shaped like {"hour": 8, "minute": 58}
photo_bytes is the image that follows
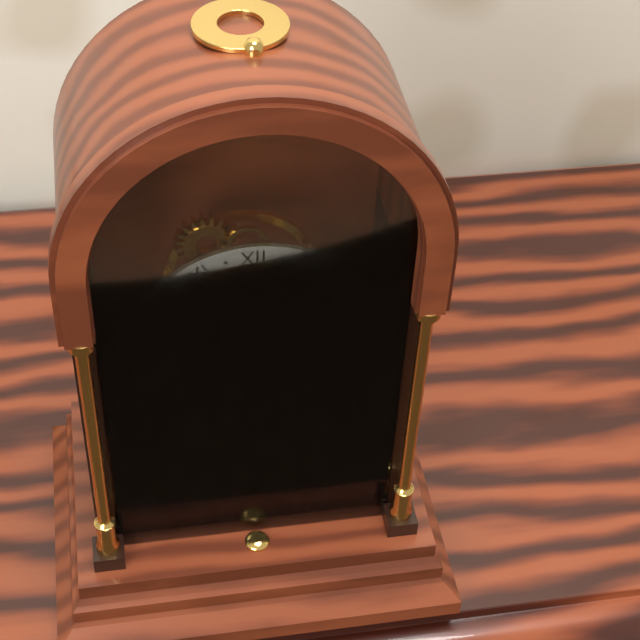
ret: {"hour": 5, "minute": 3}
